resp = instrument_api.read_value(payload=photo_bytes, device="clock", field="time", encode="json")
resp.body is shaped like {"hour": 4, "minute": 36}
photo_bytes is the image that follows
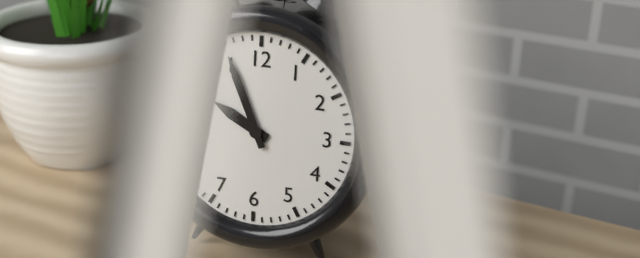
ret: {"hour": 9, "minute": 56}
